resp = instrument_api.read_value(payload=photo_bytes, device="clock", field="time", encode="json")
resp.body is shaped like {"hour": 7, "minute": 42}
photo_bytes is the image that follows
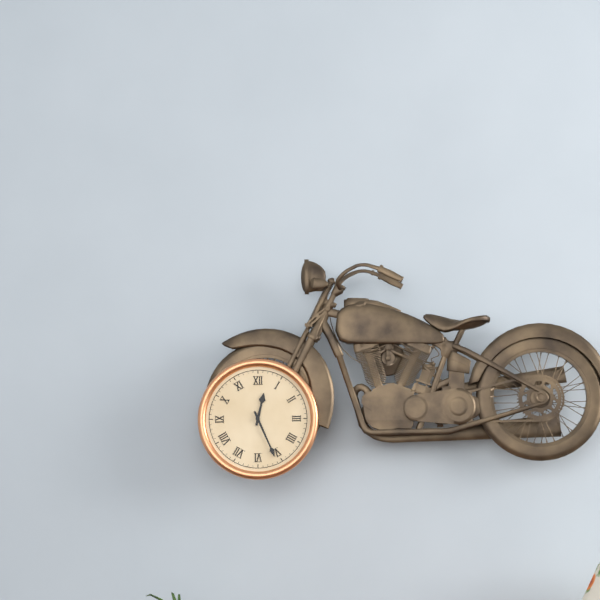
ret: {"hour": 12, "minute": 26}
